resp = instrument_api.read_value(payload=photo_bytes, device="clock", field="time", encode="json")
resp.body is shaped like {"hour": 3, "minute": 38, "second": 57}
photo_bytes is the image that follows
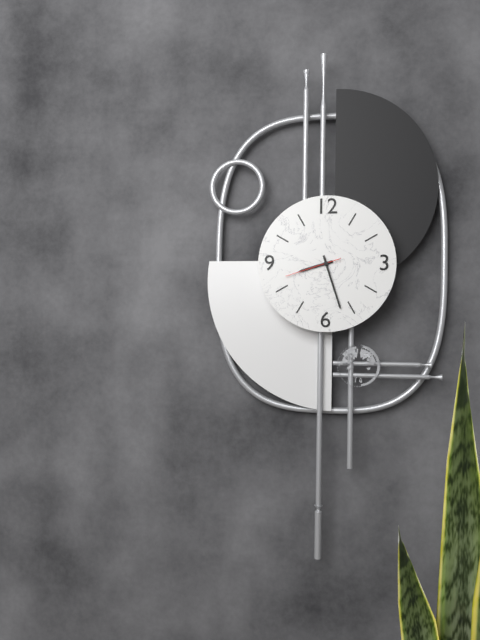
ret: {"hour": 8, "minute": 27, "second": 42}
